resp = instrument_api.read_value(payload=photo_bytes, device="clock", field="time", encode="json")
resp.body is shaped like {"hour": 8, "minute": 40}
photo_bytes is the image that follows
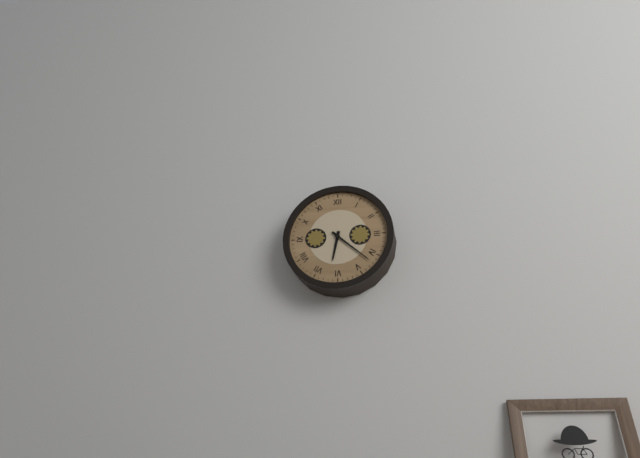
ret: {"hour": 6, "minute": 22}
